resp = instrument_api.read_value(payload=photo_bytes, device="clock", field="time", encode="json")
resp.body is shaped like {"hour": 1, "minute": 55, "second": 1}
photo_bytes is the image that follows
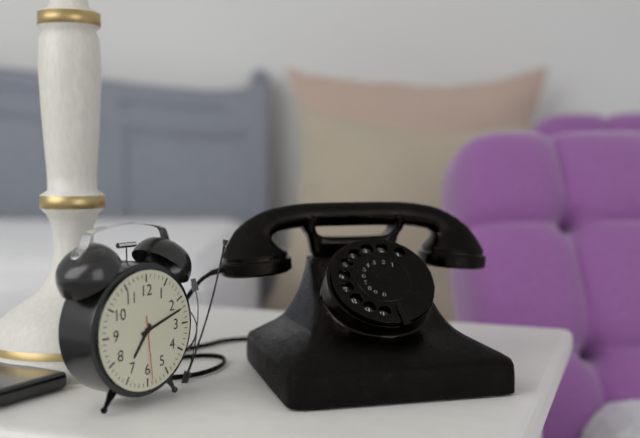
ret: {"hour": 7, "minute": 12, "second": 29}
